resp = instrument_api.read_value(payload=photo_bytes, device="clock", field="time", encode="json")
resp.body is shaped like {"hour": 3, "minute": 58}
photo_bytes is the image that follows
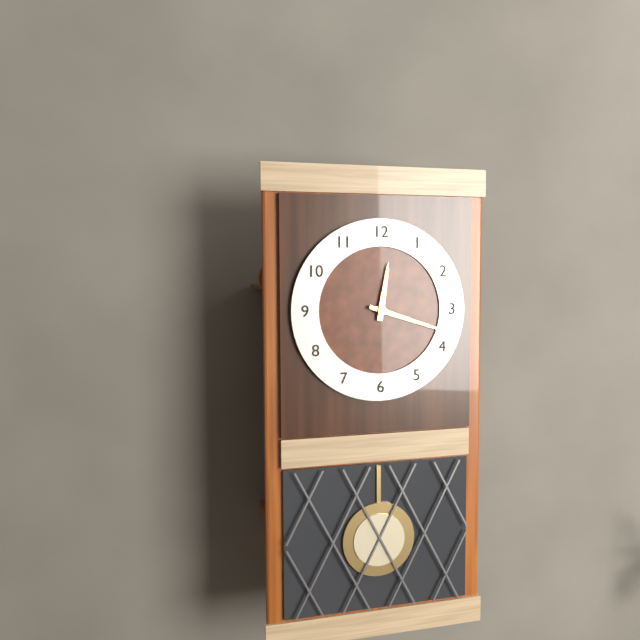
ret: {"hour": 12, "minute": 18}
